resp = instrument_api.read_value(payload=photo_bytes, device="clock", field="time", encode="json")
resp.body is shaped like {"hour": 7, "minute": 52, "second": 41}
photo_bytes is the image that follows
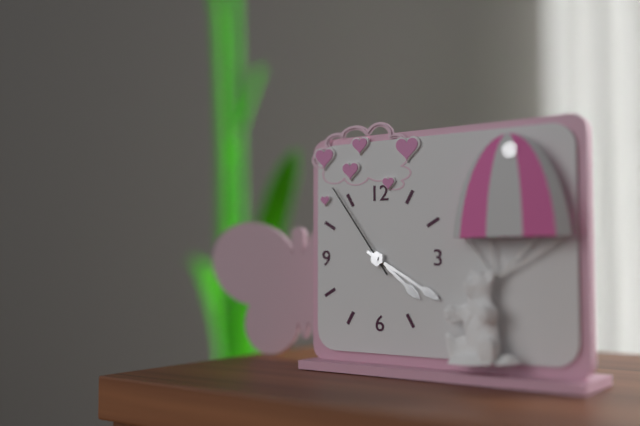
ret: {"hour": 4, "minute": 20, "second": 54}
